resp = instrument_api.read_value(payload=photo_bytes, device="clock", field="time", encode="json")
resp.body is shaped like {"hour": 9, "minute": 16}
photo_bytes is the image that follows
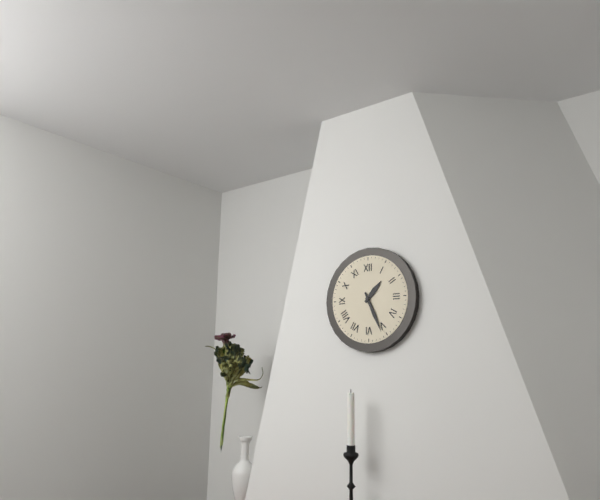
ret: {"hour": 1, "minute": 26}
